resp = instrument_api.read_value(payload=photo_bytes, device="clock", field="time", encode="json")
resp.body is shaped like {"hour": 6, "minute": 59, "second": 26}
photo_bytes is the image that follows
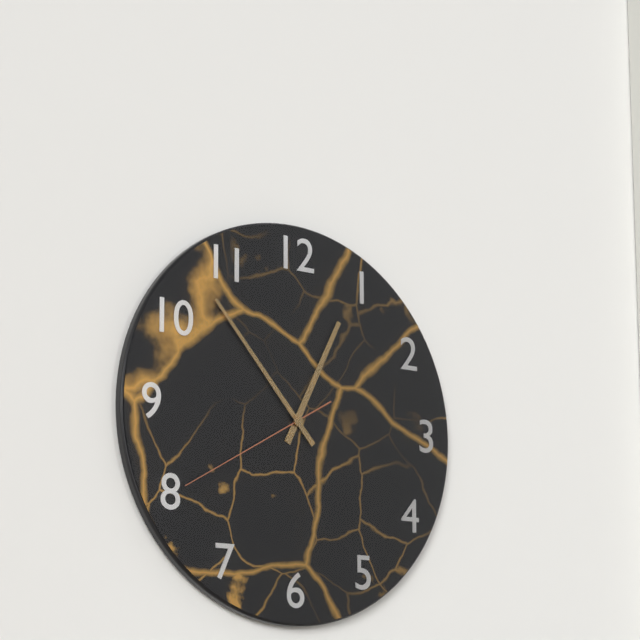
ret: {"hour": 12, "minute": 53, "second": 40}
